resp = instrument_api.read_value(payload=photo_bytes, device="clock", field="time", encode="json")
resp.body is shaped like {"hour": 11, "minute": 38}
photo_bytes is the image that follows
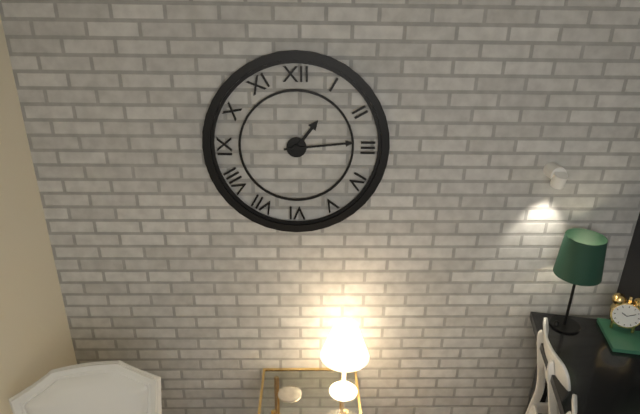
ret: {"hour": 1, "minute": 14}
